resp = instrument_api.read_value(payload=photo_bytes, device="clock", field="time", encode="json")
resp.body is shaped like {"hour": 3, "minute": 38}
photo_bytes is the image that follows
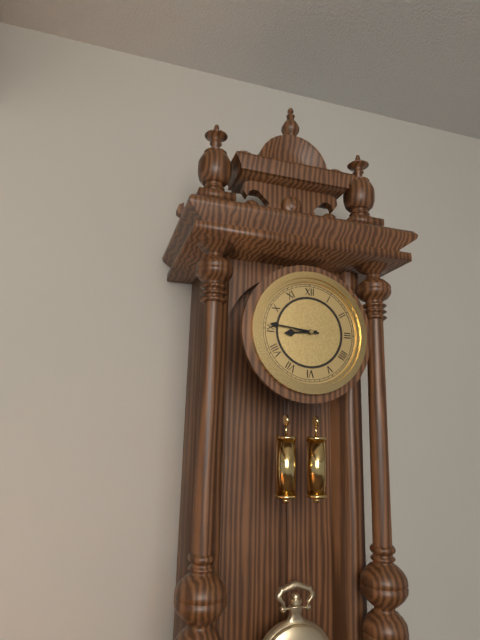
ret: {"hour": 8, "minute": 46}
